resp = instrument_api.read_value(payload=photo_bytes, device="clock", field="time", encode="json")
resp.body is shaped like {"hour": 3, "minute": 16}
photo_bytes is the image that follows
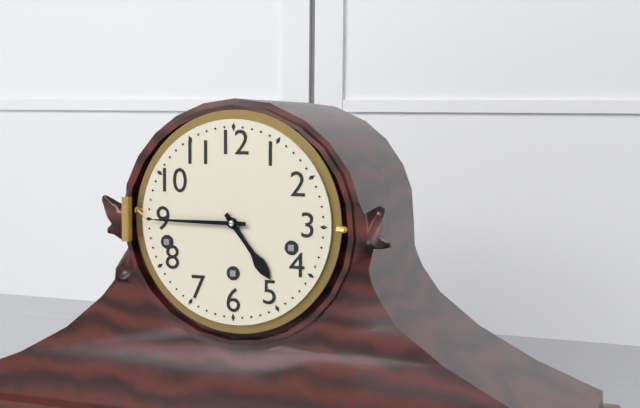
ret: {"hour": 4, "minute": 45}
